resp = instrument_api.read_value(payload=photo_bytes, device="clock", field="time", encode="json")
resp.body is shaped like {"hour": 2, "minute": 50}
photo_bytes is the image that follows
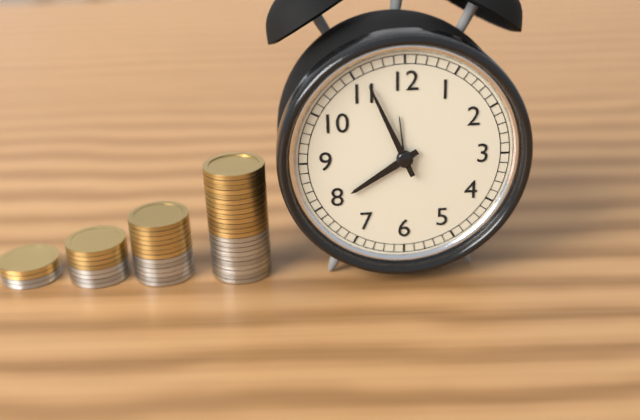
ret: {"hour": 7, "minute": 56}
